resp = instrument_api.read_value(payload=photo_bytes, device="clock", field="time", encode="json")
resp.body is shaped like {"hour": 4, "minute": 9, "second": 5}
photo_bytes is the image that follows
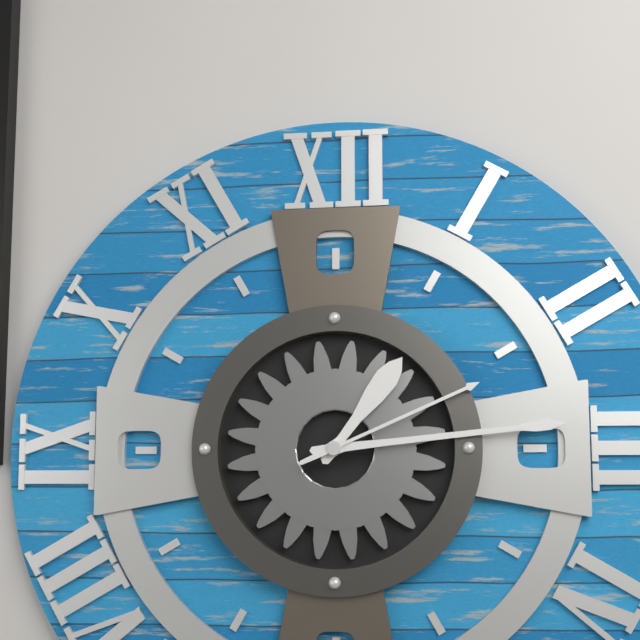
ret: {"hour": 1, "minute": 14, "second": 11}
